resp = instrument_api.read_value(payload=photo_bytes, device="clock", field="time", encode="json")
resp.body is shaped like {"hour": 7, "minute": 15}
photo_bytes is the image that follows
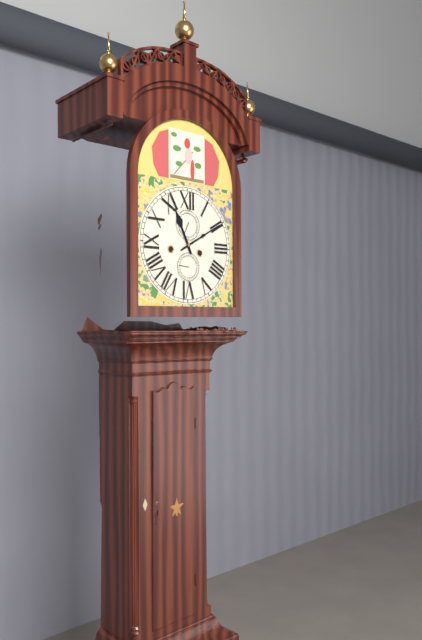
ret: {"hour": 11, "minute": 10}
